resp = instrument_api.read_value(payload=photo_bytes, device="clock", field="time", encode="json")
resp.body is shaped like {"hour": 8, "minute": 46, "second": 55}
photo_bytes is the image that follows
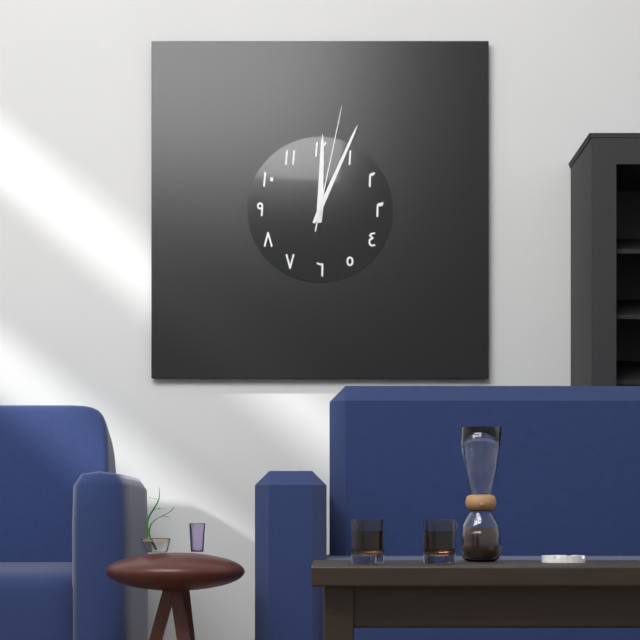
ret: {"hour": 12, "minute": 4, "second": 2}
